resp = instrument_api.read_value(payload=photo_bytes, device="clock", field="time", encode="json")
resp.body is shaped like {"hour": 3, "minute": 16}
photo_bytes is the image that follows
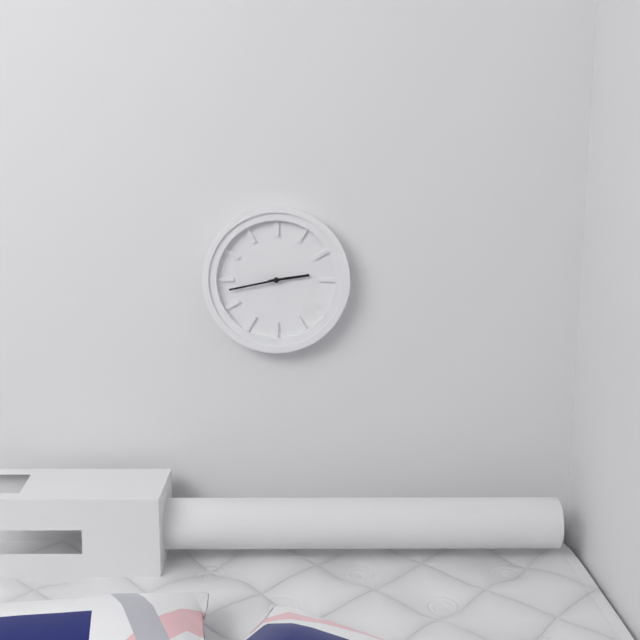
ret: {"hour": 2, "minute": 43}
